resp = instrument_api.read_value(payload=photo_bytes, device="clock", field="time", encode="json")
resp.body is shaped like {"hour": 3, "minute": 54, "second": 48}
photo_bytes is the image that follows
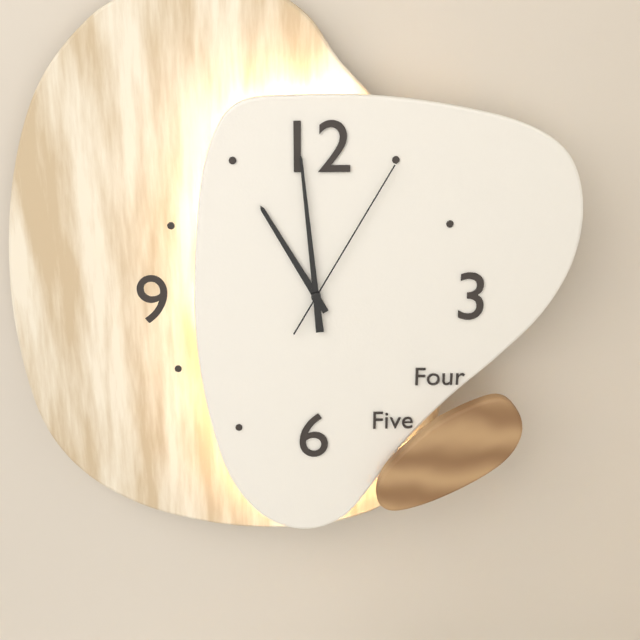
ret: {"hour": 10, "minute": 59, "second": 5}
